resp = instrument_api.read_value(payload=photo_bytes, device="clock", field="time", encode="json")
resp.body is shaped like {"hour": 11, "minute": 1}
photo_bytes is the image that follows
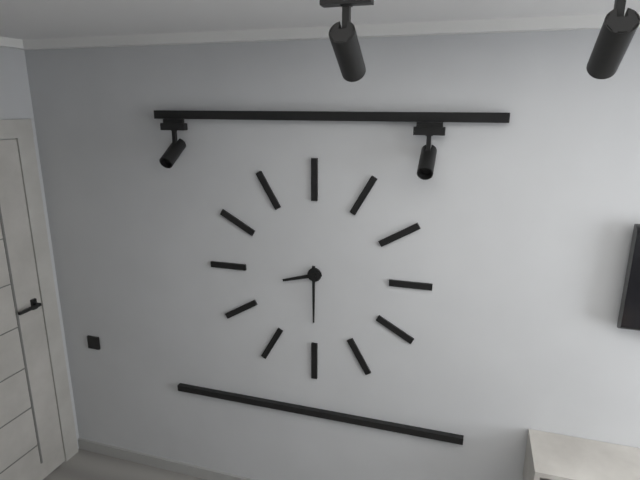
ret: {"hour": 8, "minute": 30}
